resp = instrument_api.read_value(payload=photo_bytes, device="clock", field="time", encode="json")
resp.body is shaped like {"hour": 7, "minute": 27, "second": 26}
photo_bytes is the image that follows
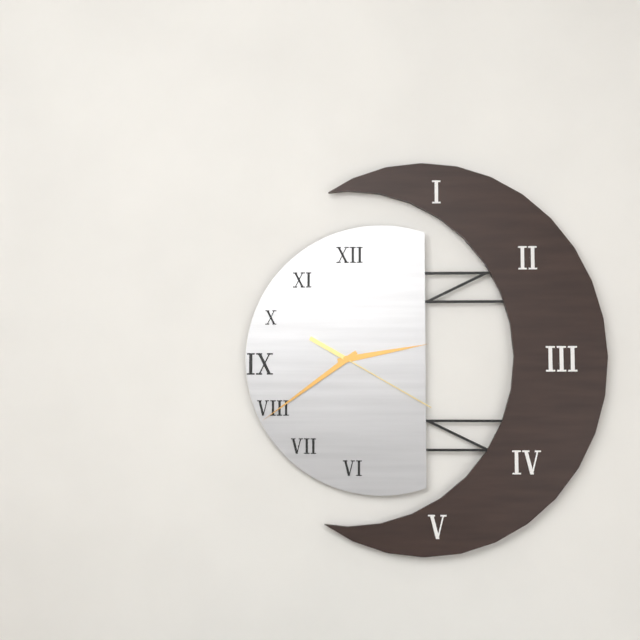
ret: {"hour": 2, "minute": 39, "second": 20}
